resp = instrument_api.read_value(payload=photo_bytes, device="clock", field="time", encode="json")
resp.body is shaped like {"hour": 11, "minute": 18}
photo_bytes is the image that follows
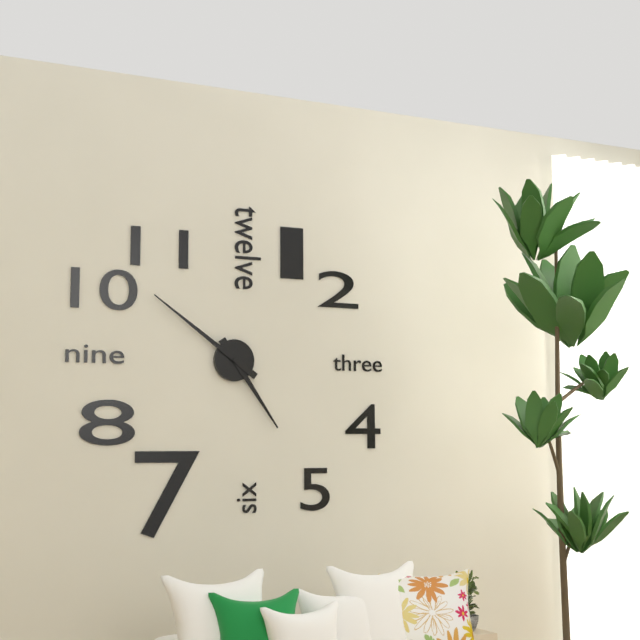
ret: {"hour": 4, "minute": 51}
